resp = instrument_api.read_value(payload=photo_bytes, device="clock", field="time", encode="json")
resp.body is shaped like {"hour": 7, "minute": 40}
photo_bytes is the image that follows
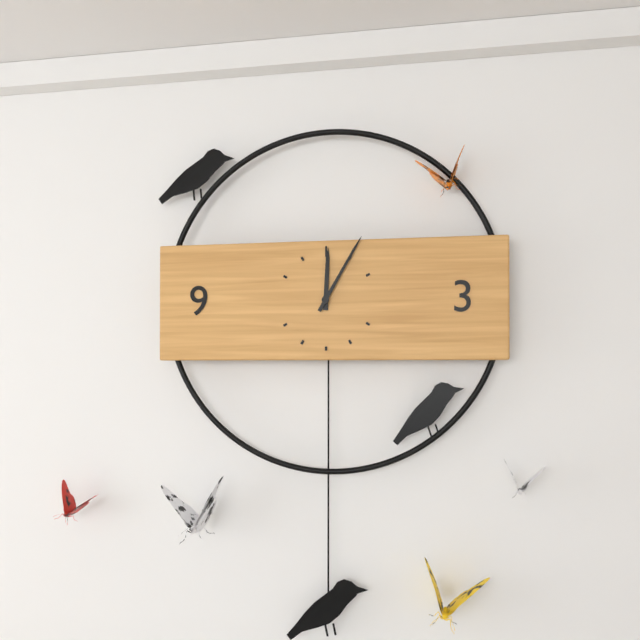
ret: {"hour": 12, "minute": 5}
